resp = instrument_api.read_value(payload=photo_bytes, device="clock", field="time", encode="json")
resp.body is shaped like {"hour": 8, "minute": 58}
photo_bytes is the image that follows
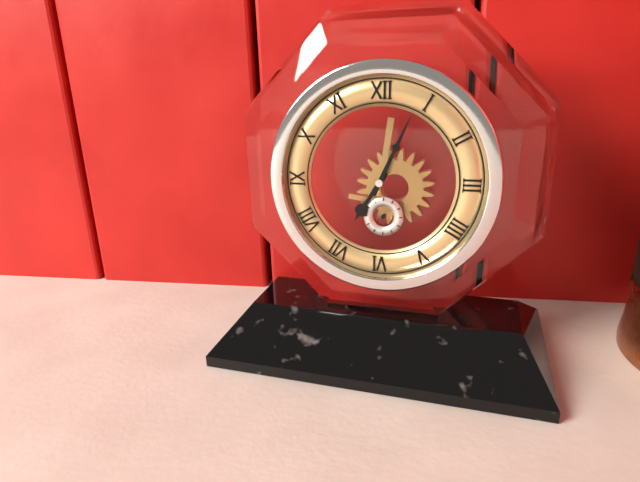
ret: {"hour": 7, "minute": 4}
